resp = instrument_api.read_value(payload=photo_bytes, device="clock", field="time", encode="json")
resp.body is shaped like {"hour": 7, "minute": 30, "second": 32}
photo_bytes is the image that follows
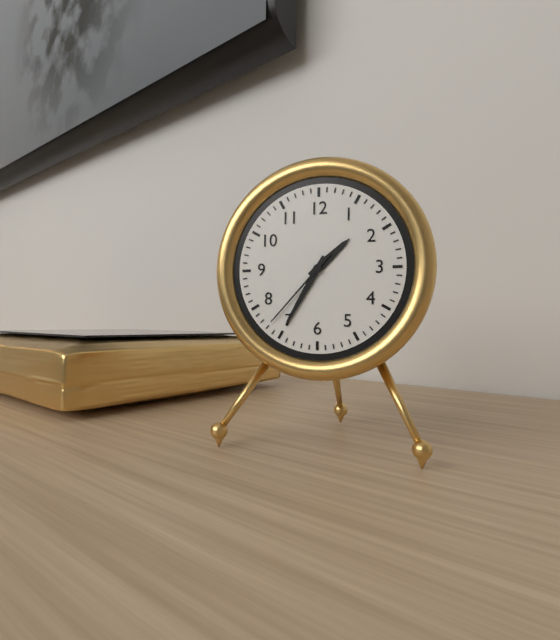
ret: {"hour": 1, "minute": 35, "second": 37}
